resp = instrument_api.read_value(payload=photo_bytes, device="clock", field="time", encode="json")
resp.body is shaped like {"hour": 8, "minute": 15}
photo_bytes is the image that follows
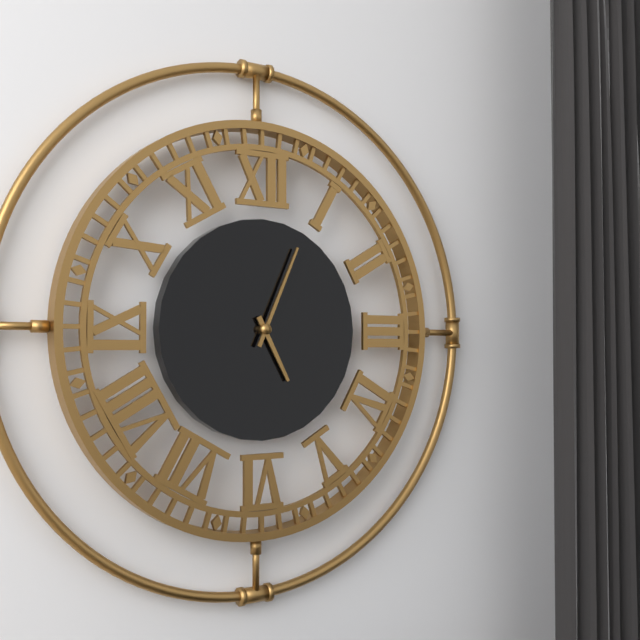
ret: {"hour": 5, "minute": 4}
